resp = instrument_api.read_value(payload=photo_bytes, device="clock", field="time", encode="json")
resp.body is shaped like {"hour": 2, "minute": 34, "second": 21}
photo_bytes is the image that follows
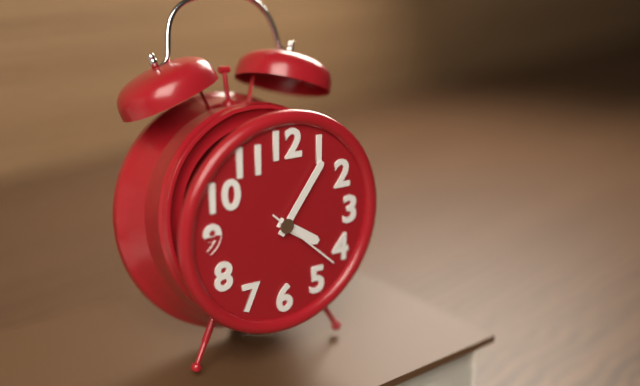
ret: {"hour": 4, "minute": 6, "second": 22}
